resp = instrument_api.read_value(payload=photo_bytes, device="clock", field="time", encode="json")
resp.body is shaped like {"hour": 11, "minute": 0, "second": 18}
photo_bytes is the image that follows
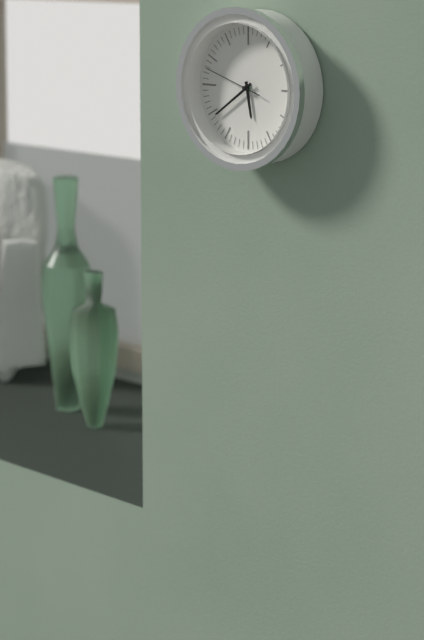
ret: {"hour": 5, "minute": 39, "second": 48}
